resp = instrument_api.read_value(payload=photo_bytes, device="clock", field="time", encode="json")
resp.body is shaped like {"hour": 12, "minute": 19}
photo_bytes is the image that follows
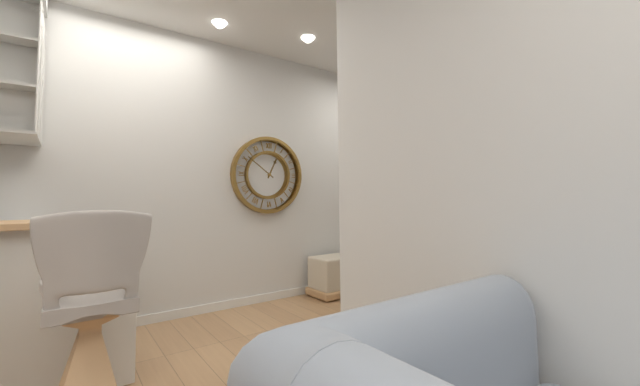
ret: {"hour": 12, "minute": 51}
